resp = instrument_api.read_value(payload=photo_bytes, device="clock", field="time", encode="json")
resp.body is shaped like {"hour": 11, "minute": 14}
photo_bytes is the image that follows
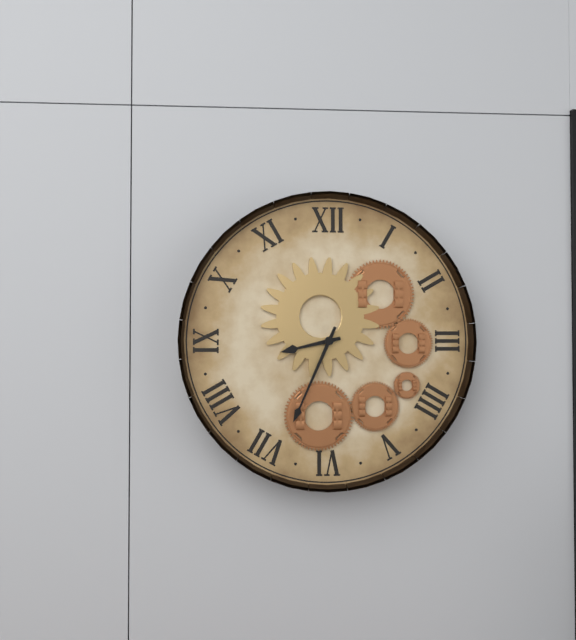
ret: {"hour": 8, "minute": 34}
